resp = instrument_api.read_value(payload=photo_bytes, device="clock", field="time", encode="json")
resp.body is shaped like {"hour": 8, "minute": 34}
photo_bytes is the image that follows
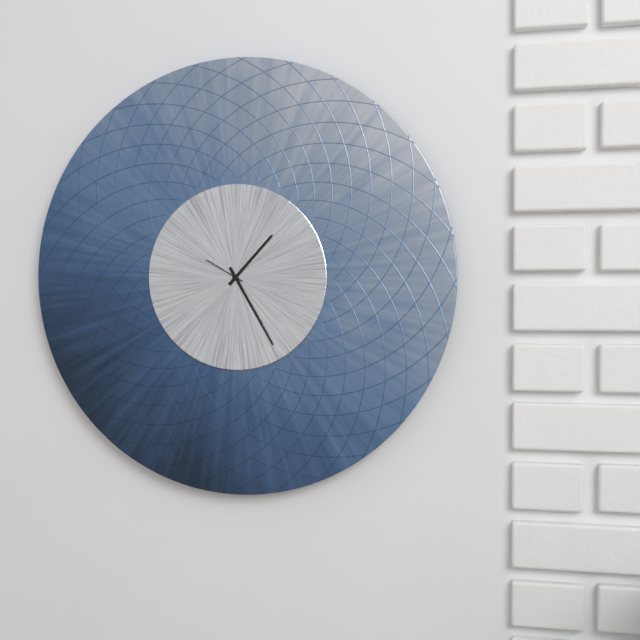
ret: {"hour": 1, "minute": 25}
